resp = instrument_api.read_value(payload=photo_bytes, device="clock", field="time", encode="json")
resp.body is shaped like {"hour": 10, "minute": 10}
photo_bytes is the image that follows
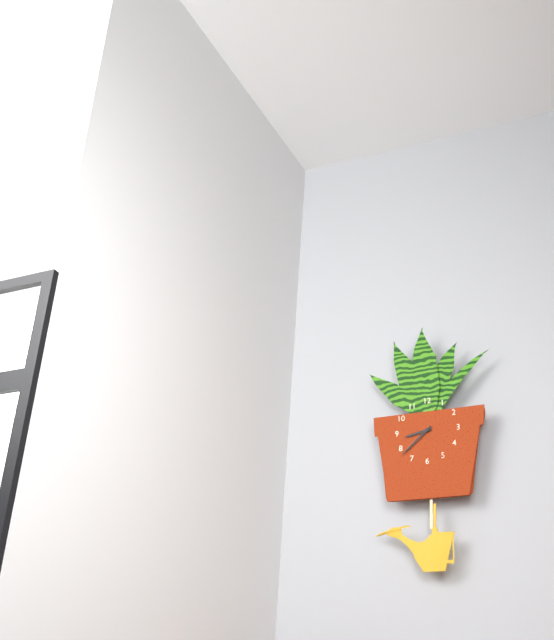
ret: {"hour": 8, "minute": 38}
